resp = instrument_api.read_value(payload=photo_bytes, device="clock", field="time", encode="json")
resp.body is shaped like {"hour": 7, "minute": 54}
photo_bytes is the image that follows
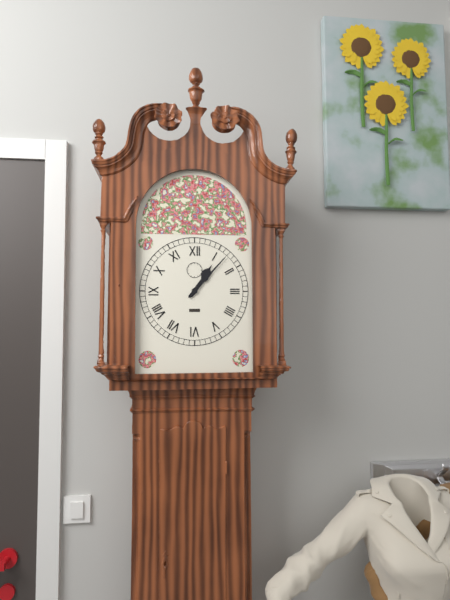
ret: {"hour": 1, "minute": 7}
